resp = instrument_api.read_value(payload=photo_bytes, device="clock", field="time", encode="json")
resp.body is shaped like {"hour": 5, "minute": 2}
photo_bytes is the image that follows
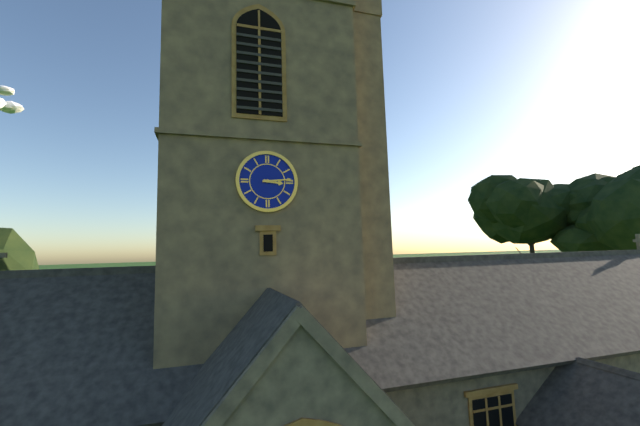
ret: {"hour": 3, "minute": 14}
